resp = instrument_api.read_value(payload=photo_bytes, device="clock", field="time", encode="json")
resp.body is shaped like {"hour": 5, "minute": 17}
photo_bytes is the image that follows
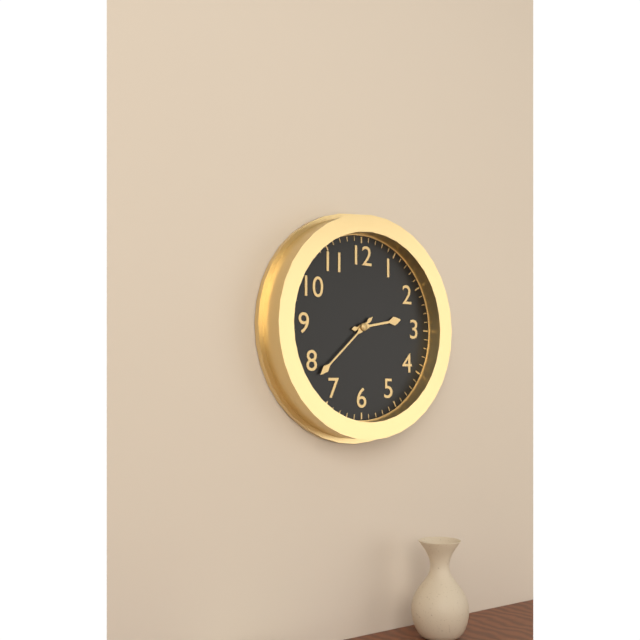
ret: {"hour": 2, "minute": 38}
